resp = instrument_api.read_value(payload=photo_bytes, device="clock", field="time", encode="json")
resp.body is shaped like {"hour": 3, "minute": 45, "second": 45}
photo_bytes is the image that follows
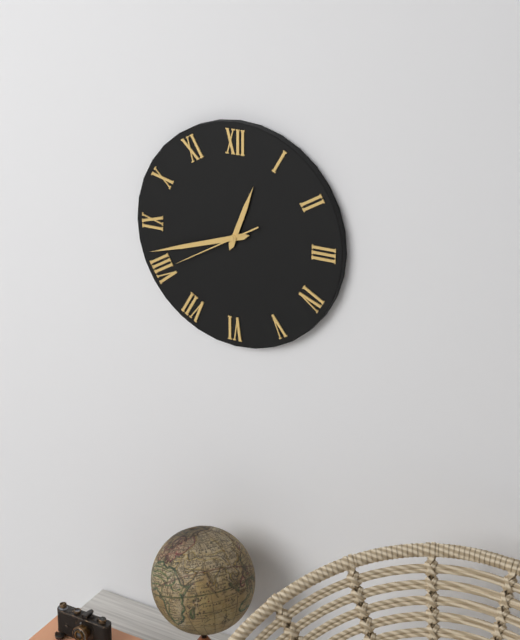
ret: {"hour": 12, "minute": 42, "second": 40}
